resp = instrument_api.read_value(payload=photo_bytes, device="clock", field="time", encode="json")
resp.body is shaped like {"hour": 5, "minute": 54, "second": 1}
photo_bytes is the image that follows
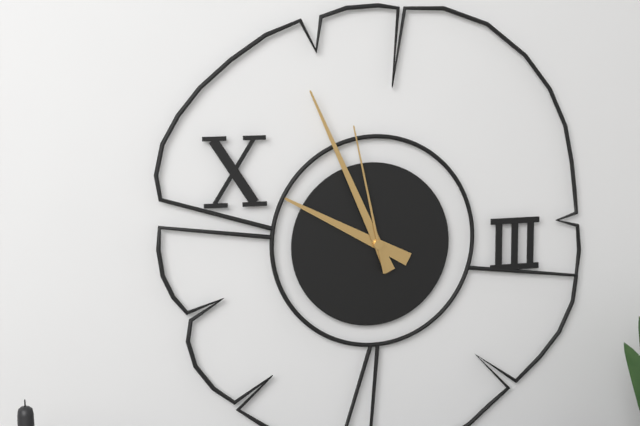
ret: {"hour": 9, "minute": 56, "second": 58}
